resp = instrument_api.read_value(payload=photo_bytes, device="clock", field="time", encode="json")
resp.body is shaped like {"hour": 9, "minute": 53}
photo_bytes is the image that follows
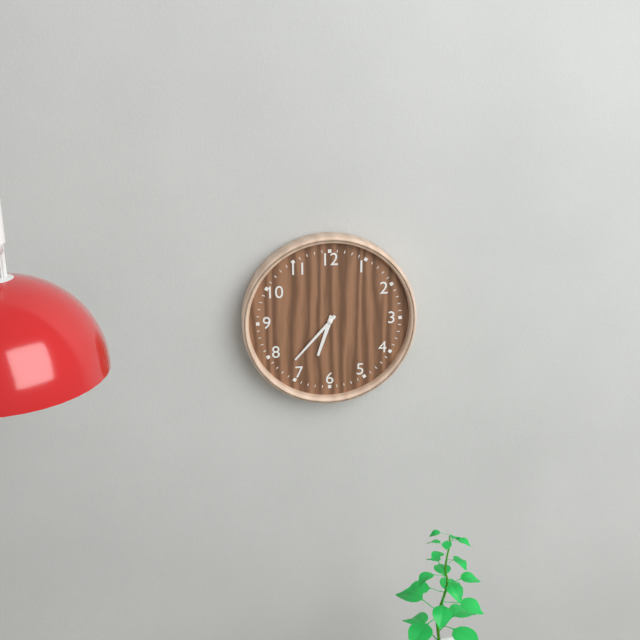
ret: {"hour": 6, "minute": 37}
